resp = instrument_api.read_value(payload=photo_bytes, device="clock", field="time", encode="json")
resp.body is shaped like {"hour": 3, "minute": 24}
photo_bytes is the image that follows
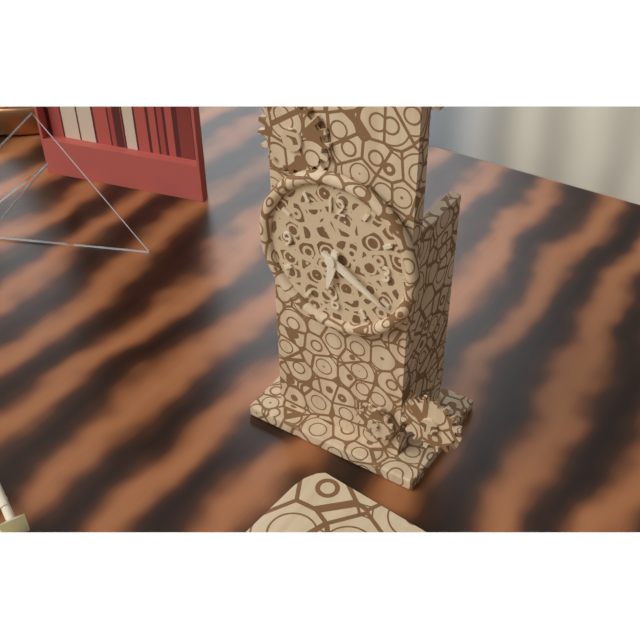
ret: {"hour": 6, "minute": 20}
